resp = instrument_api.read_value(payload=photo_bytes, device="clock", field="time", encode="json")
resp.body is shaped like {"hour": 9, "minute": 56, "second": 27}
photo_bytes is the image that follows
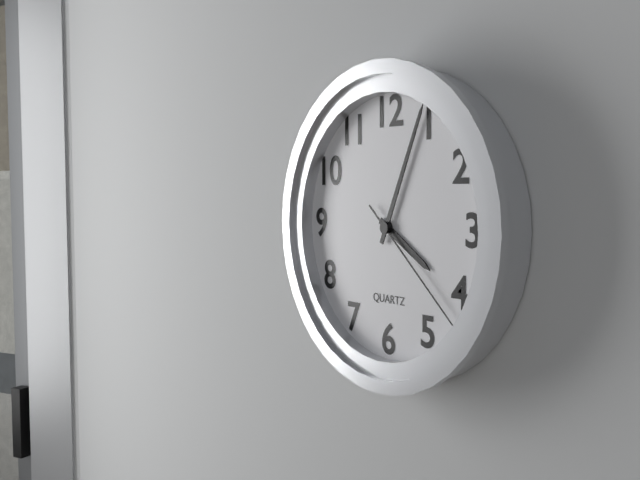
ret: {"hour": 4, "minute": 4, "second": 22}
